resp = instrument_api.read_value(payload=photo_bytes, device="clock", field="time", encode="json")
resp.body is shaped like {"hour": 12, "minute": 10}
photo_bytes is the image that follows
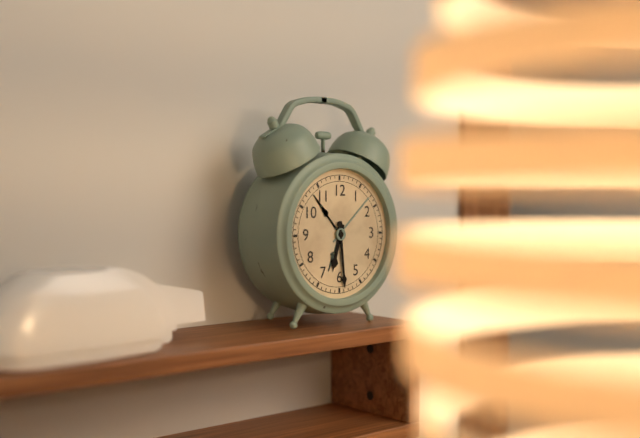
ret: {"hour": 6, "minute": 29}
